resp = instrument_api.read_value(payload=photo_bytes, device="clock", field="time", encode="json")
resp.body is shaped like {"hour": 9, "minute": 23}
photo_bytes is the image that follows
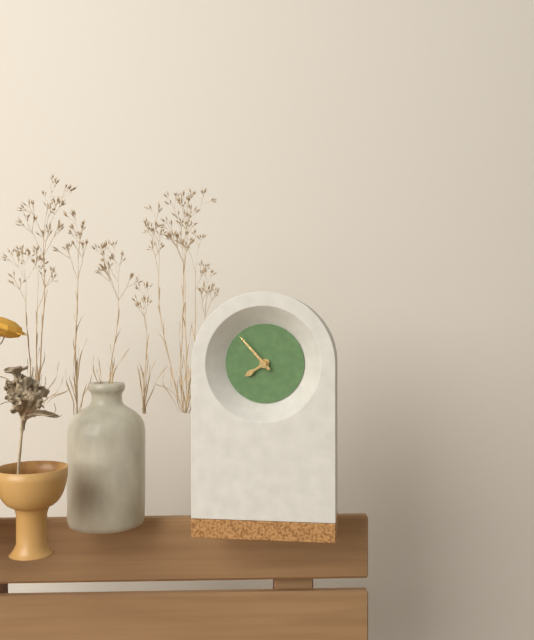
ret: {"hour": 7, "minute": 53}
